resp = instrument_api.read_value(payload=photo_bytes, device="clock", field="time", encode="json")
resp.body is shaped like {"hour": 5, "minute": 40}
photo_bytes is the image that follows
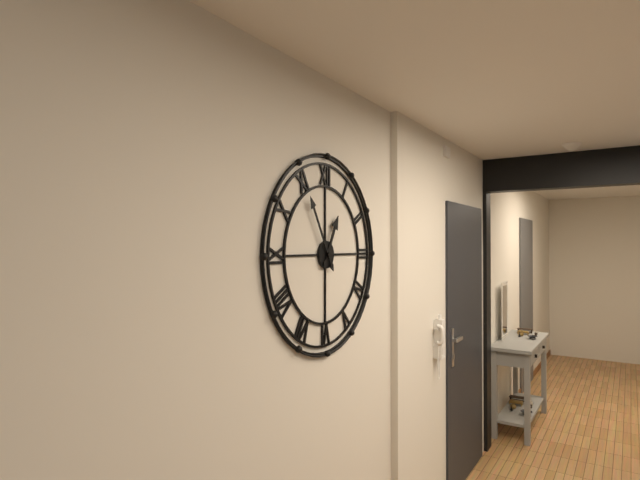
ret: {"hour": 12, "minute": 55}
